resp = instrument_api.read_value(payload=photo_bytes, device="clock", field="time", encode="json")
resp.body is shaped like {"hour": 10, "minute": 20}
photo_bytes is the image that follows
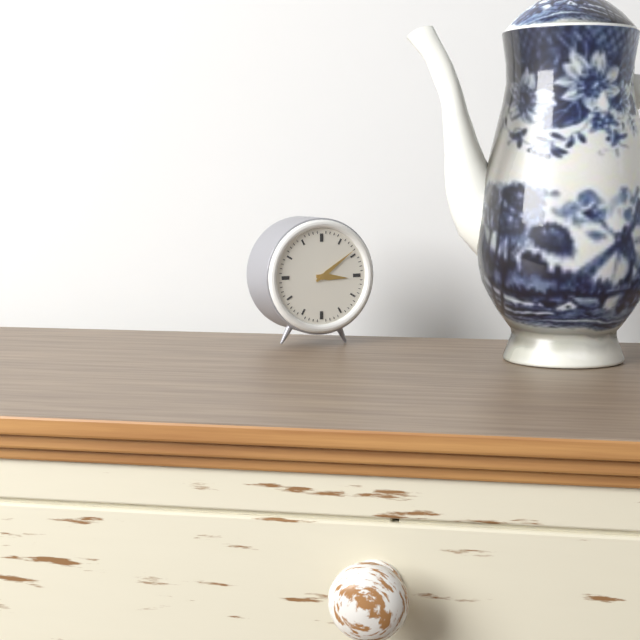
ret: {"hour": 3, "minute": 9}
